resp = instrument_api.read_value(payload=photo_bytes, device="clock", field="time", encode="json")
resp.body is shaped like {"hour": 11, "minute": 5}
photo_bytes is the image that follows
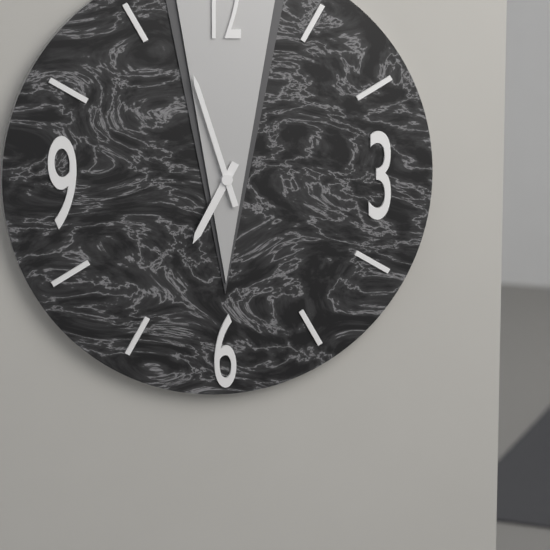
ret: {"hour": 6, "minute": 57}
